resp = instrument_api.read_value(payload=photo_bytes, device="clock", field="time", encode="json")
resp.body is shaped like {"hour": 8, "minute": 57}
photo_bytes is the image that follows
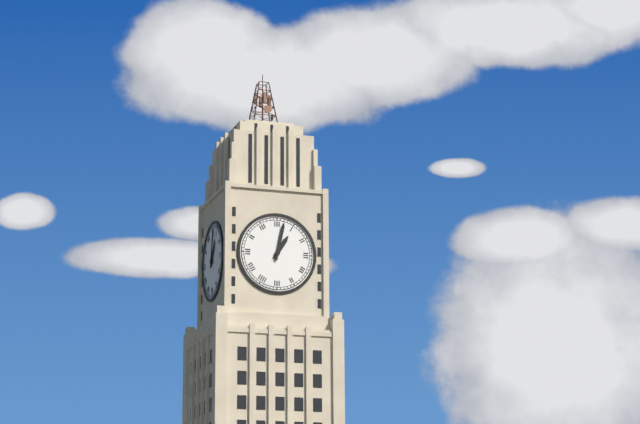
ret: {"hour": 1, "minute": 2}
